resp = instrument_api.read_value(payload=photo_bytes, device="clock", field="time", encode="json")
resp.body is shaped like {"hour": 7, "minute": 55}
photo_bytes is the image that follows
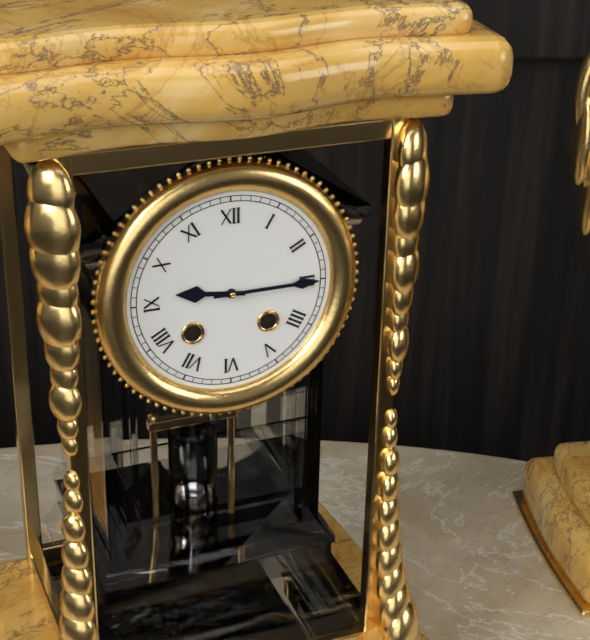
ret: {"hour": 9, "minute": 15}
